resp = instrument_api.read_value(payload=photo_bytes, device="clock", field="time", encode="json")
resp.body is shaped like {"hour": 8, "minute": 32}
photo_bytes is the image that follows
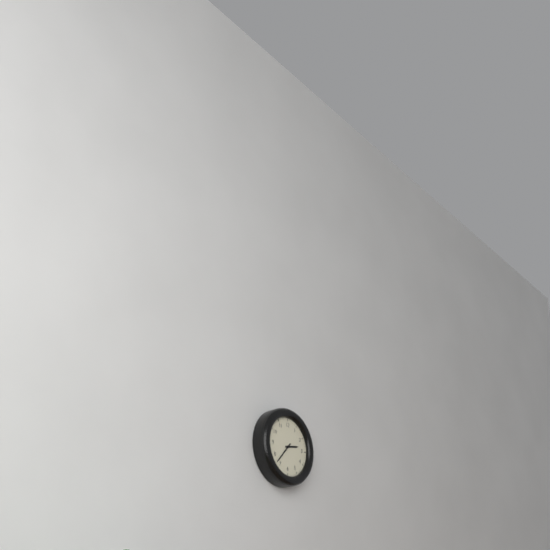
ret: {"hour": 2, "minute": 37}
